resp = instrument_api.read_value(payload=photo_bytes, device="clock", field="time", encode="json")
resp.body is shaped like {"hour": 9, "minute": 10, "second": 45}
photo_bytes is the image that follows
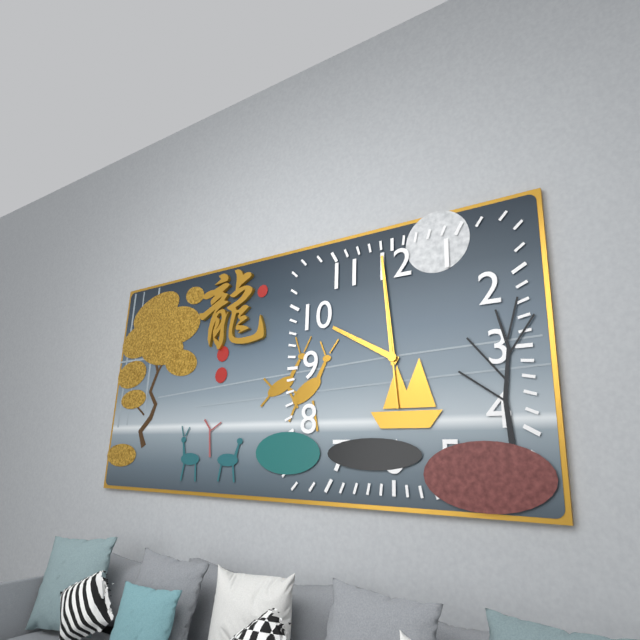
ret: {"hour": 9, "minute": 59, "second": 59}
